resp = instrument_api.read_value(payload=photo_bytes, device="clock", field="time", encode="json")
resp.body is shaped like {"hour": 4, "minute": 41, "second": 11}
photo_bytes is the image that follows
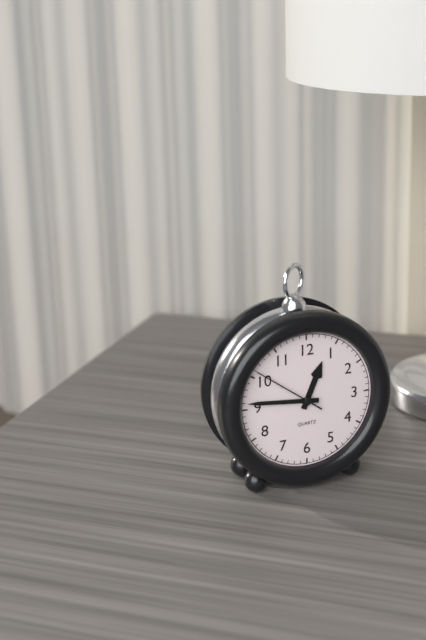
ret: {"hour": 12, "minute": 46, "second": 51}
